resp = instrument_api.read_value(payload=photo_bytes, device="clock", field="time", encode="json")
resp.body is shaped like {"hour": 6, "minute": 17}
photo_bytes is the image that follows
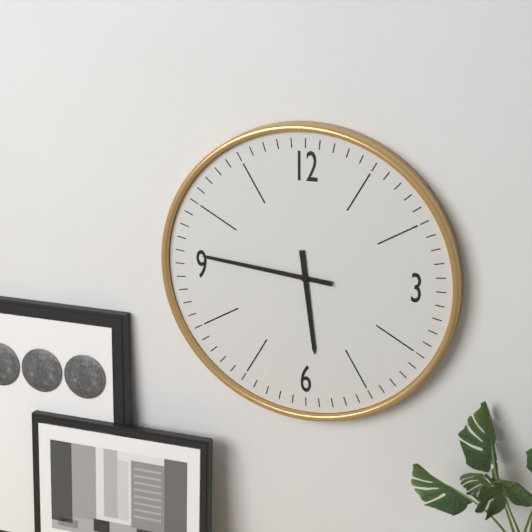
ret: {"hour": 5, "minute": 46}
